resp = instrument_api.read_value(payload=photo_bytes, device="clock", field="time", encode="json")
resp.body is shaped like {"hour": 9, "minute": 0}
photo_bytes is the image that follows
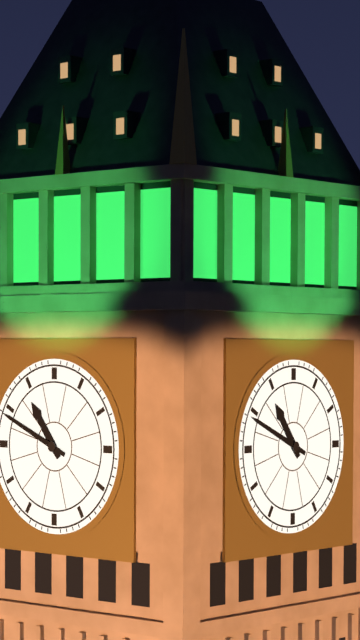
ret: {"hour": 10, "minute": 49}
